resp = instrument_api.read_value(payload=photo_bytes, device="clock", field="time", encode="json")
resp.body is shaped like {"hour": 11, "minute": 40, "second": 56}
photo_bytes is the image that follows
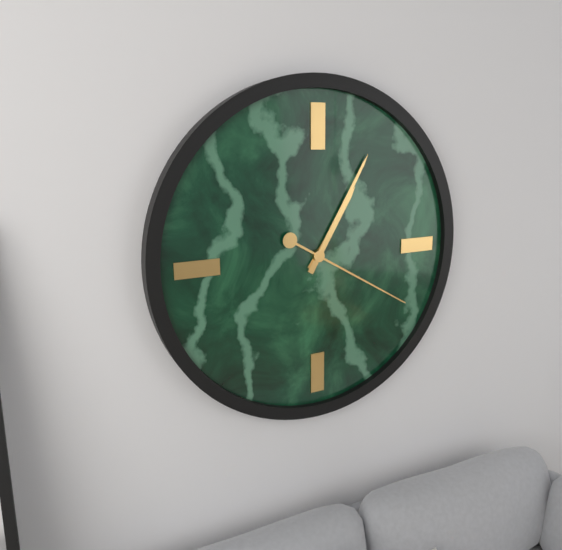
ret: {"hour": 1, "minute": 5, "second": 20}
